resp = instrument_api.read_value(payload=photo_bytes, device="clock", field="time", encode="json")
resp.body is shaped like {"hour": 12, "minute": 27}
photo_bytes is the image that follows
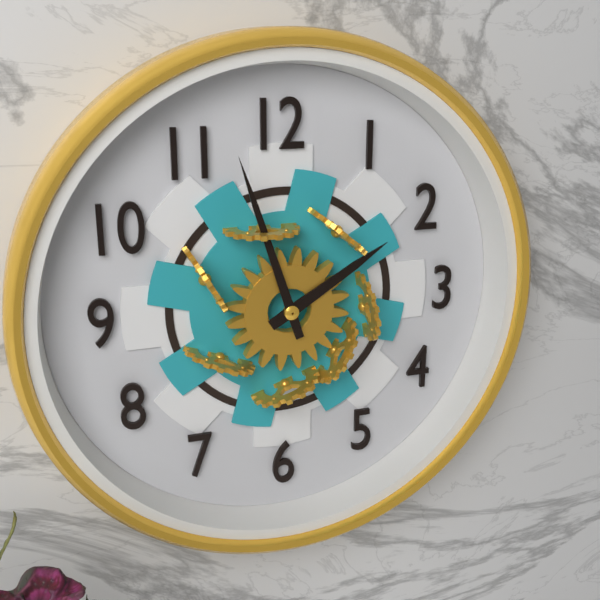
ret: {"hour": 1, "minute": 57}
